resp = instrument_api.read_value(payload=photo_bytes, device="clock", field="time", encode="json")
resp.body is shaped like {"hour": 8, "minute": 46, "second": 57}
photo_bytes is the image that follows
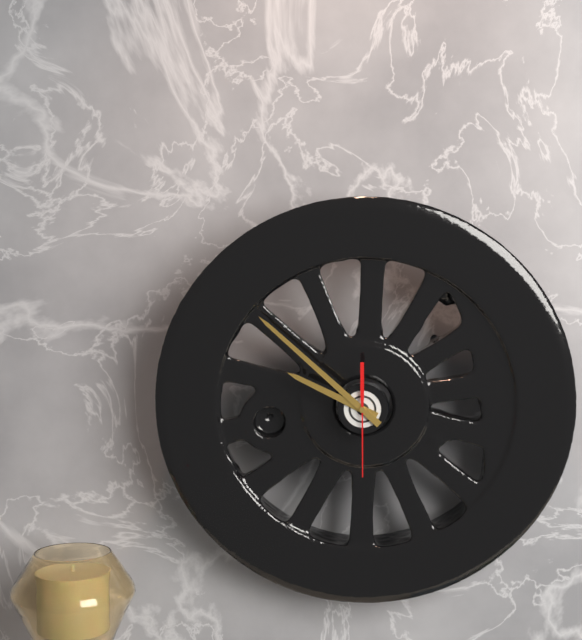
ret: {"hour": 9, "minute": 52, "second": 30}
